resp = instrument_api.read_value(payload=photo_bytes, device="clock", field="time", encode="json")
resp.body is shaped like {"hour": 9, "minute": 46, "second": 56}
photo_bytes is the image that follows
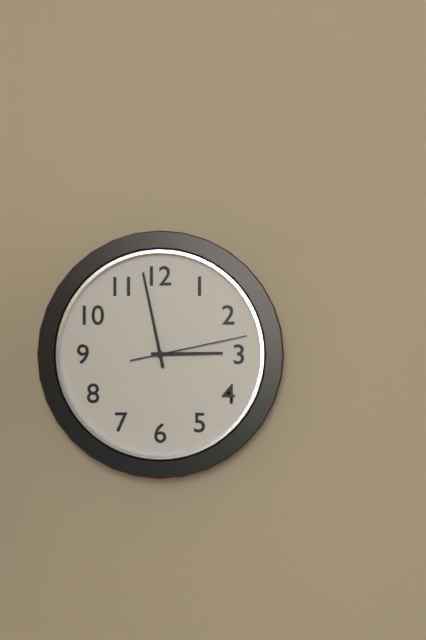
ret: {"hour": 2, "minute": 58, "second": 13}
